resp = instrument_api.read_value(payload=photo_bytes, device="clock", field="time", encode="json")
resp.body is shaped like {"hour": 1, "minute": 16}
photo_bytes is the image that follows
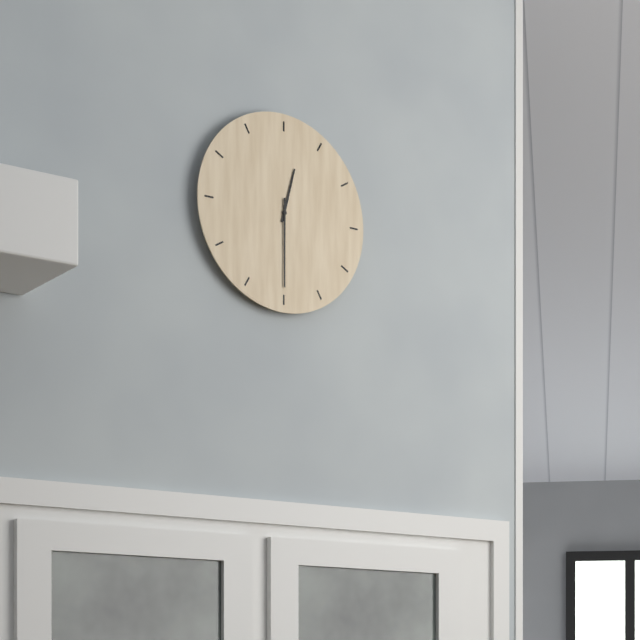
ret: {"hour": 12, "minute": 30}
